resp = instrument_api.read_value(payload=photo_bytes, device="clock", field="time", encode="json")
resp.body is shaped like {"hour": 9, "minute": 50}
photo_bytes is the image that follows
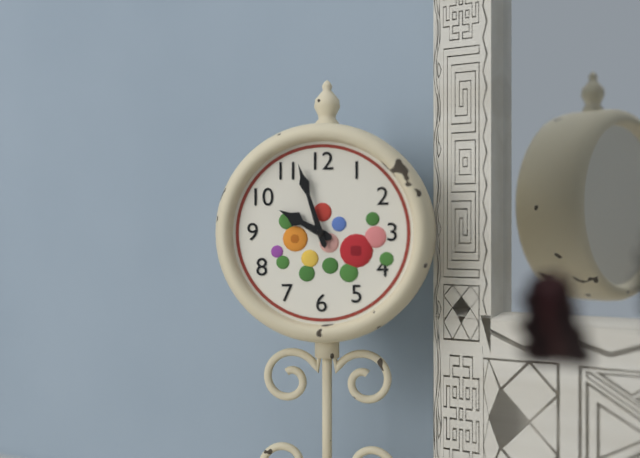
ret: {"hour": 9, "minute": 57}
